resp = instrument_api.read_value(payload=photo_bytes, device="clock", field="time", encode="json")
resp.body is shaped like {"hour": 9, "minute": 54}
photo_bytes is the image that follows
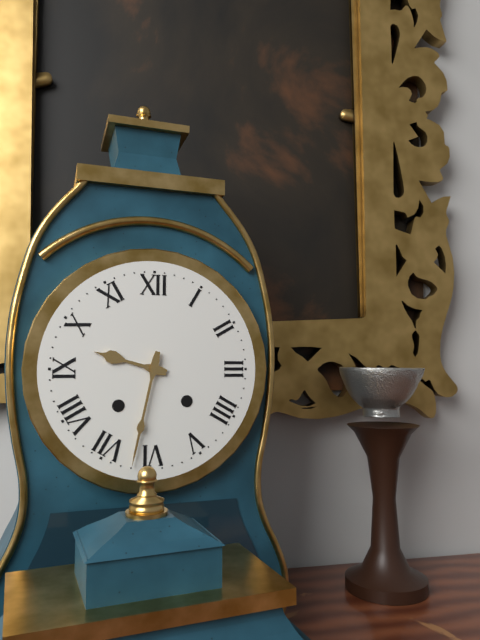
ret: {"hour": 9, "minute": 32}
